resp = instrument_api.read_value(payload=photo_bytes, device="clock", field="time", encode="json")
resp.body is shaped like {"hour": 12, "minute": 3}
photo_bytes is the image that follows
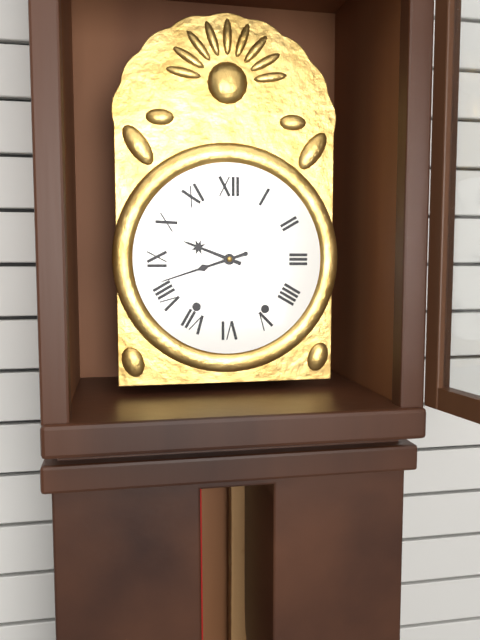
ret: {"hour": 9, "minute": 42}
